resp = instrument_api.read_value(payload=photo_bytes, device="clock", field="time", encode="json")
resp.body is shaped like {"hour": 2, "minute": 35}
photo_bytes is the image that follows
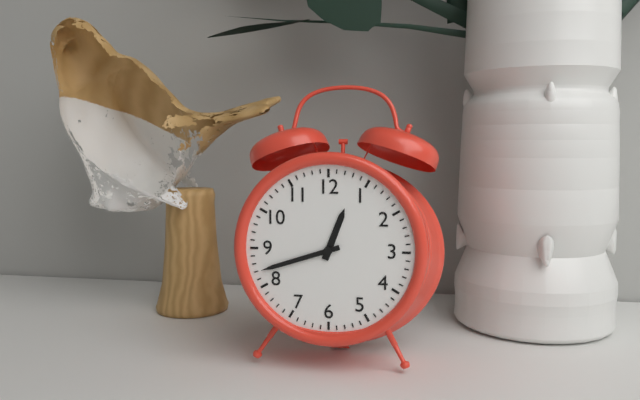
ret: {"hour": 12, "minute": 42}
